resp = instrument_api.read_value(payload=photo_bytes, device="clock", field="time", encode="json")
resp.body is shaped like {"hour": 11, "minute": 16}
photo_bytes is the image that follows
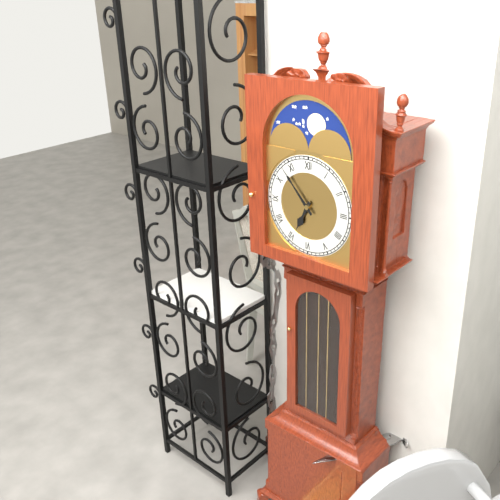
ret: {"hour": 6, "minute": 53}
